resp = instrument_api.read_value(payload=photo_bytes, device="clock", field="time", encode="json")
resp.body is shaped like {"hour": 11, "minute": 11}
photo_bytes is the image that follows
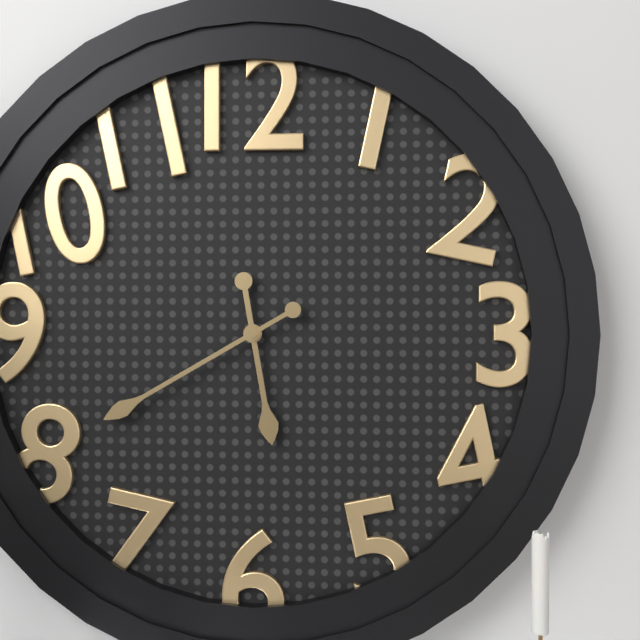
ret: {"hour": 5, "minute": 40}
